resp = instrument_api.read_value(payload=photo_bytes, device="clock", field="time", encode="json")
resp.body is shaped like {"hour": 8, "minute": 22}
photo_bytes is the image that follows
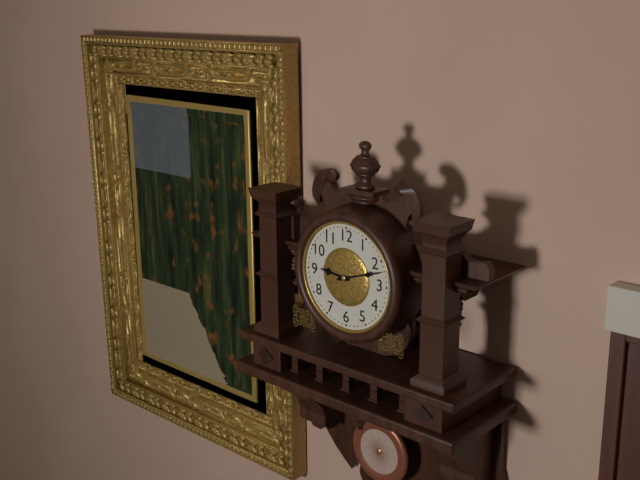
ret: {"hour": 9, "minute": 12}
